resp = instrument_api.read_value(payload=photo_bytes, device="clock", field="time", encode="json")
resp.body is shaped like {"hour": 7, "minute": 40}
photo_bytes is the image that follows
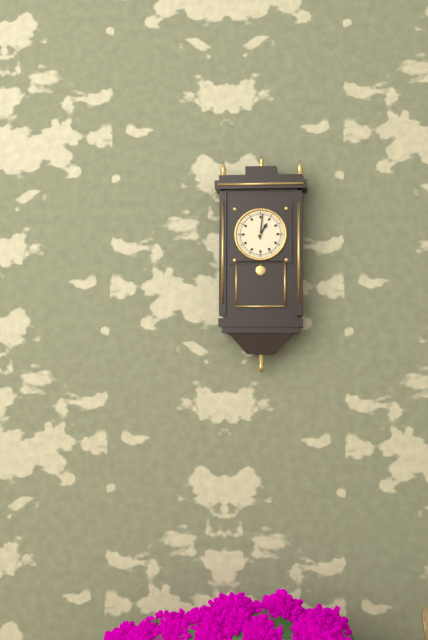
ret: {"hour": 1, "minute": 1}
